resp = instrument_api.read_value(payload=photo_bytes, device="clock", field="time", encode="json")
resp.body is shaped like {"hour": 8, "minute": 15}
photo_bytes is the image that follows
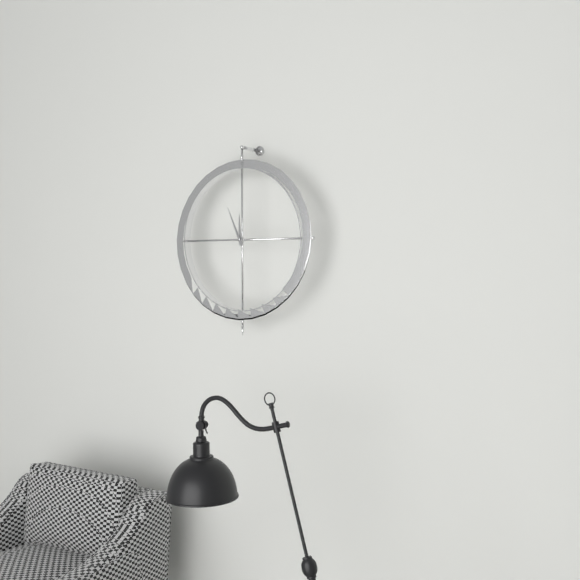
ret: {"hour": 11, "minute": 56}
